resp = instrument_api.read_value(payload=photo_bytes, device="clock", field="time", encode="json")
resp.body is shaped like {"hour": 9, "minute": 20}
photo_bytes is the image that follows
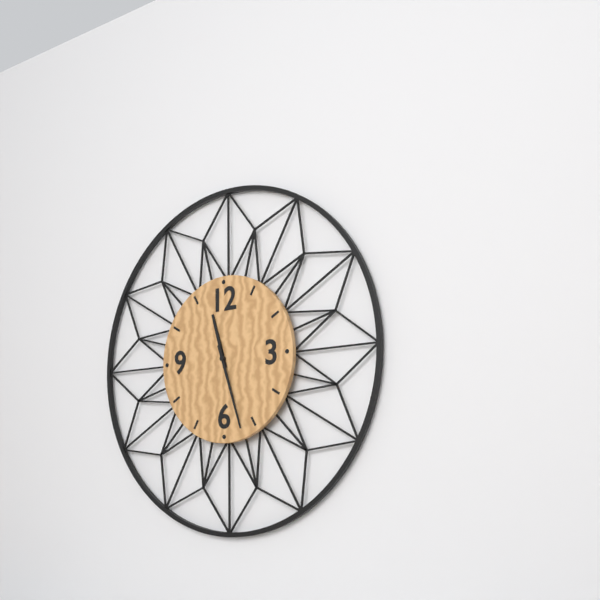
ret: {"hour": 11, "minute": 27}
